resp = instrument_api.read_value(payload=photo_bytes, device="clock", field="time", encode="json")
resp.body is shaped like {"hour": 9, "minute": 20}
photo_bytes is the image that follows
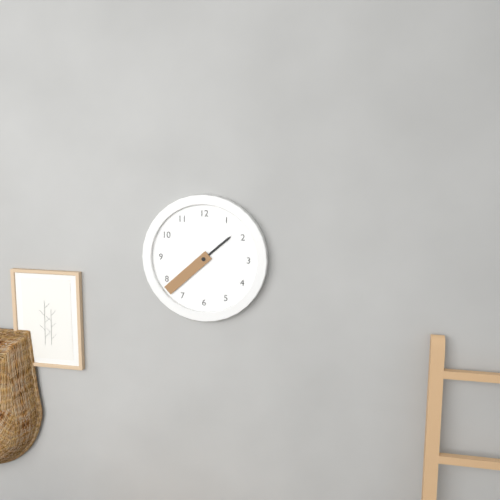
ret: {"hour": 1, "minute": 38}
